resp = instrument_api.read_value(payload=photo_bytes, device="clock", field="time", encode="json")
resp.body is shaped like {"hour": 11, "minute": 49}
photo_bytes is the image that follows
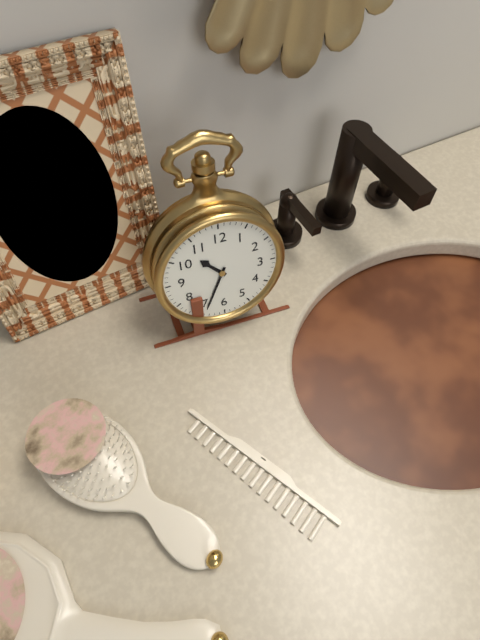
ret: {"hour": 10, "minute": 34}
